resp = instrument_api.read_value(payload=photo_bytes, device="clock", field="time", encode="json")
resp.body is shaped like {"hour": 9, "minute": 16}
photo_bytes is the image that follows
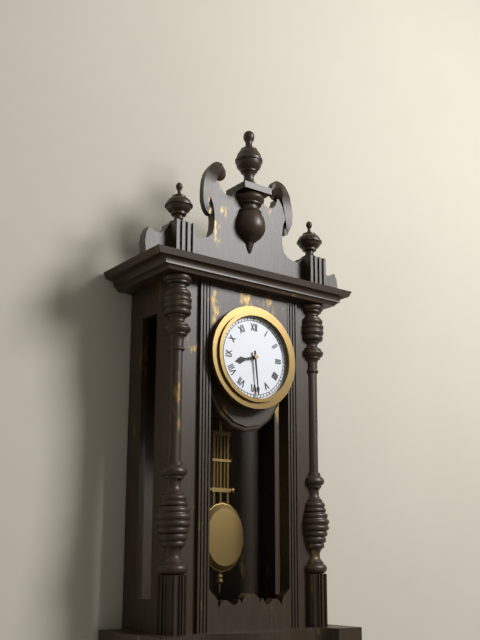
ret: {"hour": 8, "minute": 29}
